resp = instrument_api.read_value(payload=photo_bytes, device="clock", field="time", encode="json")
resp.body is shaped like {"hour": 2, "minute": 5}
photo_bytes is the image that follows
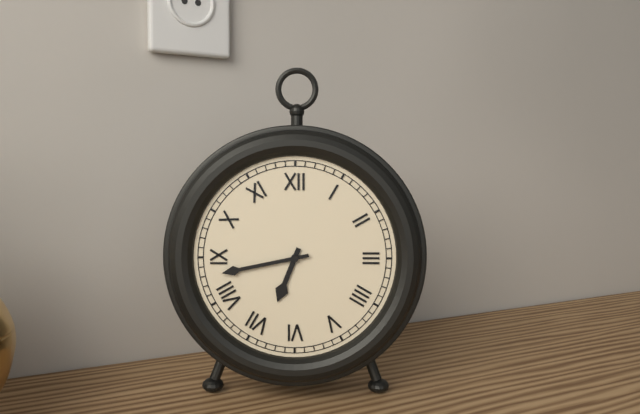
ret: {"hour": 6, "minute": 43}
